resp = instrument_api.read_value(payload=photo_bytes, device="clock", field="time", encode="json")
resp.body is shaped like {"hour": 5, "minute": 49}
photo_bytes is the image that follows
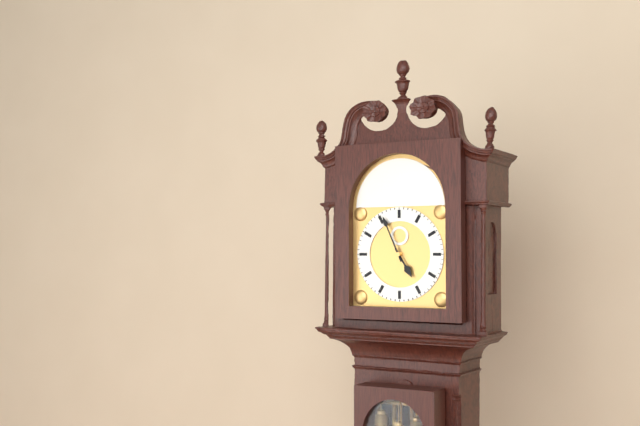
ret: {"hour": 4, "minute": 56}
